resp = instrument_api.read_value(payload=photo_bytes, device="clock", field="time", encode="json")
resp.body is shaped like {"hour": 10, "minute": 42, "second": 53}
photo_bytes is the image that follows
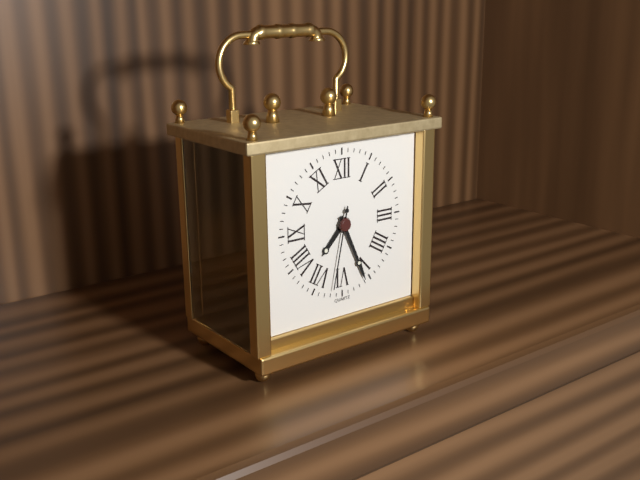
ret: {"hour": 7, "minute": 26, "second": 32}
